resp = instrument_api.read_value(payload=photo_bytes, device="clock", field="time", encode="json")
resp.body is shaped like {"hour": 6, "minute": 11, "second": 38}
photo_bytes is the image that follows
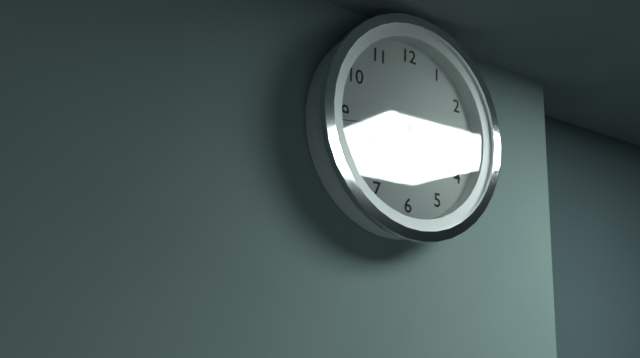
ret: {"hour": 8, "minute": 15, "second": 44}
